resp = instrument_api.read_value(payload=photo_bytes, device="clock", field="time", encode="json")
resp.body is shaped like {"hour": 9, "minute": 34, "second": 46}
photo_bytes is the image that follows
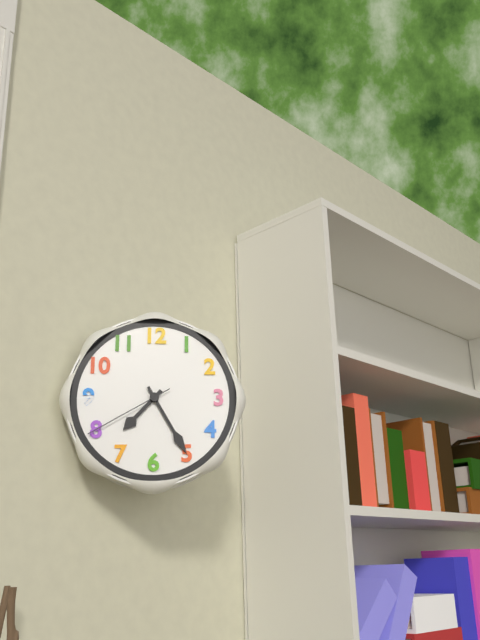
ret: {"hour": 7, "minute": 25, "second": 40}
